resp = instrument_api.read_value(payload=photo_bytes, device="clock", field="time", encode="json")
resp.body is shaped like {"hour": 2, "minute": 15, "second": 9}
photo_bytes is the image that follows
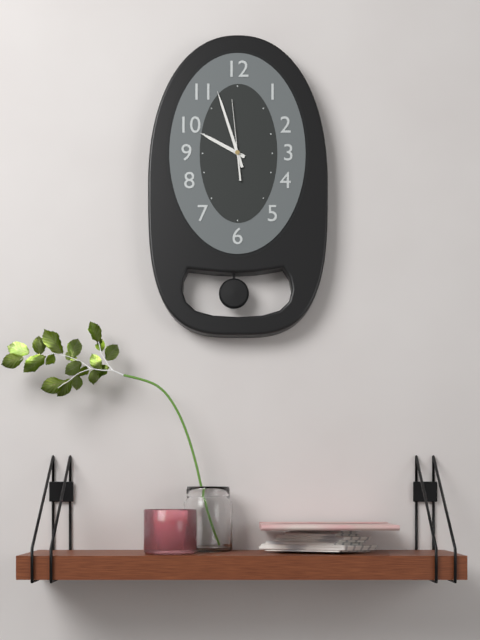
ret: {"hour": 9, "minute": 57, "second": 59}
